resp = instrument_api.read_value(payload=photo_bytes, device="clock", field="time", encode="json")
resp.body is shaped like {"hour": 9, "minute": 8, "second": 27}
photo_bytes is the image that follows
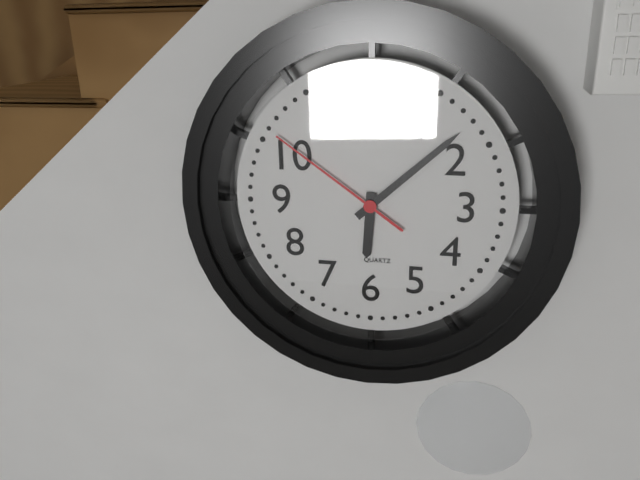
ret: {"hour": 6, "minute": 8, "second": 51}
